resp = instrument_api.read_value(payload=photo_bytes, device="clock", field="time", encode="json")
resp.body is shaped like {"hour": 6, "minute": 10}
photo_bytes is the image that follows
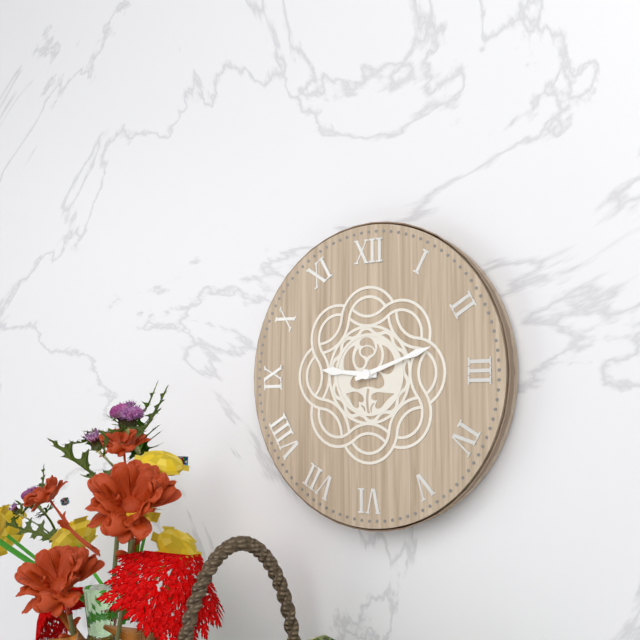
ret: {"hour": 9, "minute": 12}
